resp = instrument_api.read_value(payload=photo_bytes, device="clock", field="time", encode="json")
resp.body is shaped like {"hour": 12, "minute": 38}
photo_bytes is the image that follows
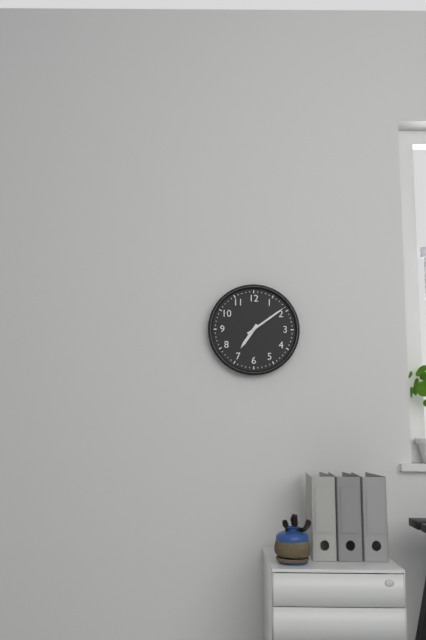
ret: {"hour": 7, "minute": 9}
